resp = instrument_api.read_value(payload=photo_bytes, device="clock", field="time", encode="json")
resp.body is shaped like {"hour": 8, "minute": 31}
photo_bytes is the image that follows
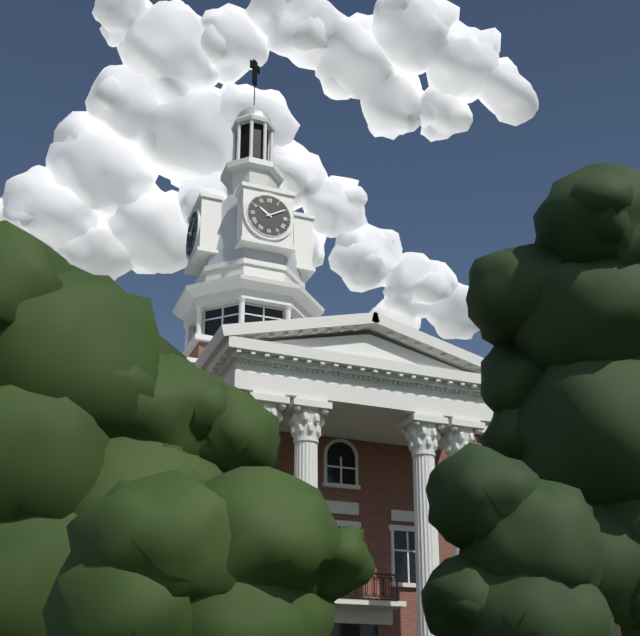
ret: {"hour": 10, "minute": 10}
